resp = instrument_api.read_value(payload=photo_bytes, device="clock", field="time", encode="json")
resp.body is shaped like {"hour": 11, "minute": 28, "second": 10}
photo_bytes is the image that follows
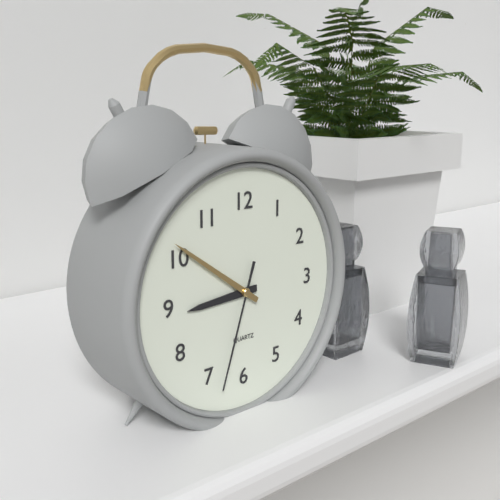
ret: {"hour": 8, "minute": 51, "second": 33}
